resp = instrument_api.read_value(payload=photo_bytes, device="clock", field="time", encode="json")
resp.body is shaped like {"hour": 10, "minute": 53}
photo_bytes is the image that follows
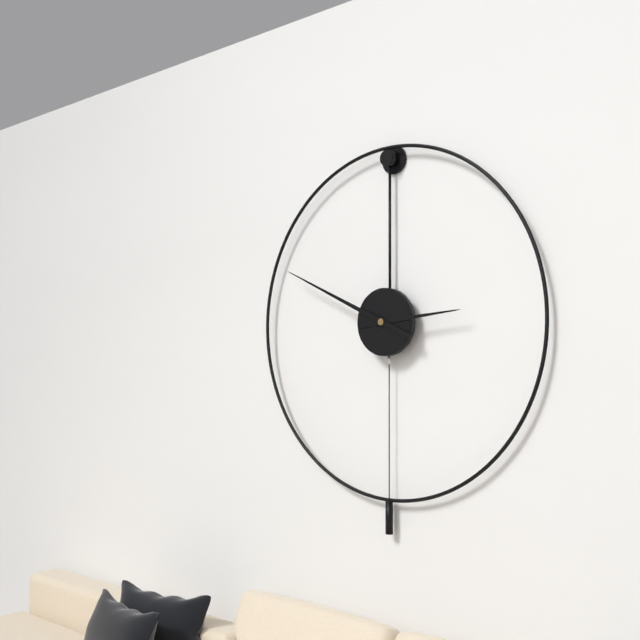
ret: {"hour": 2, "minute": 49}
